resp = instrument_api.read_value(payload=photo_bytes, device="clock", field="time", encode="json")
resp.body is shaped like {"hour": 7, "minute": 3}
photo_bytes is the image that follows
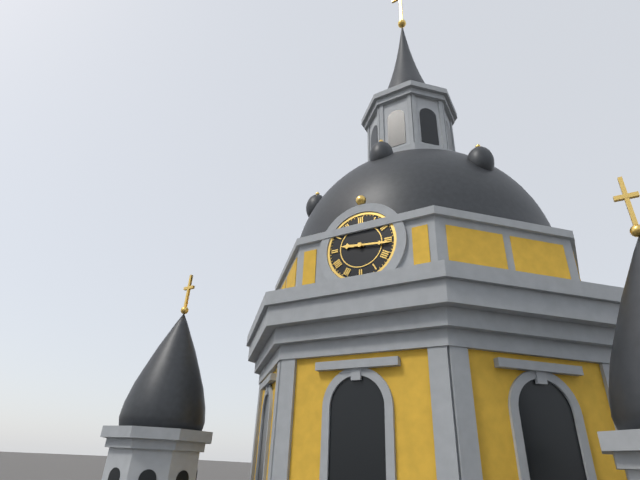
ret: {"hour": 9, "minute": 16}
